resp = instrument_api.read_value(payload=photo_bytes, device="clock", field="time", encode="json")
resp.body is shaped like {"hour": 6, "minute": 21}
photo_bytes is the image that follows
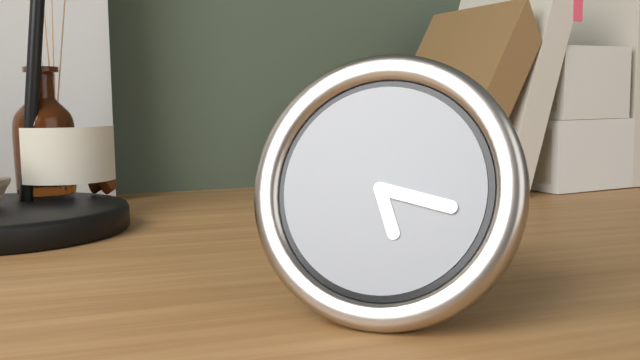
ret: {"hour": 5, "minute": 17}
